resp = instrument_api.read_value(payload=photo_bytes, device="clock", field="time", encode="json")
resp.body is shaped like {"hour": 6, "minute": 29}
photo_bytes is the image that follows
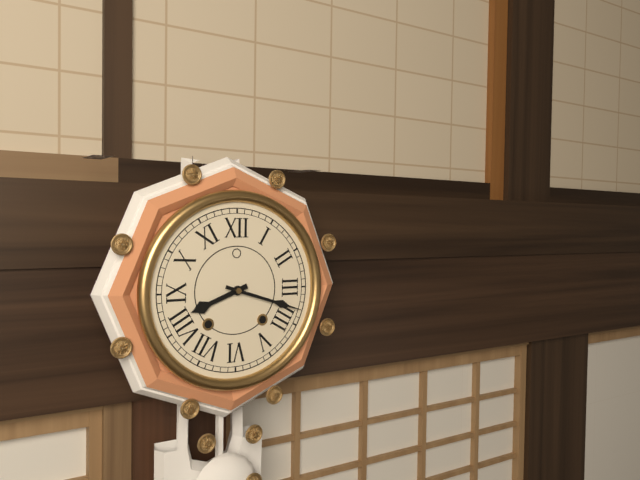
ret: {"hour": 8, "minute": 18}
